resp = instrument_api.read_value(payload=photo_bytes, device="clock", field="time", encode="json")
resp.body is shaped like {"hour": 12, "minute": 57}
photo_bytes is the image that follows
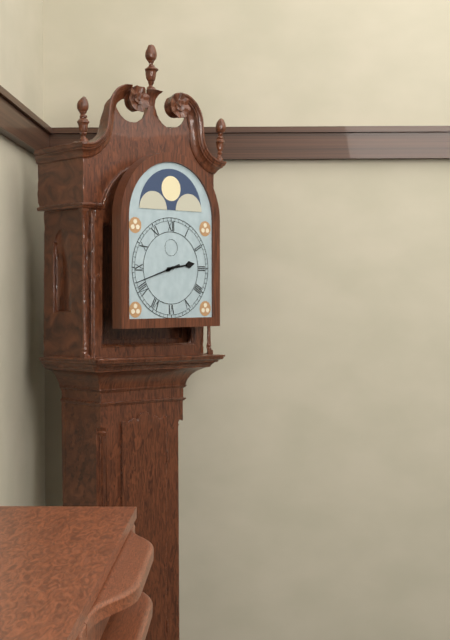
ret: {"hour": 2, "minute": 42}
